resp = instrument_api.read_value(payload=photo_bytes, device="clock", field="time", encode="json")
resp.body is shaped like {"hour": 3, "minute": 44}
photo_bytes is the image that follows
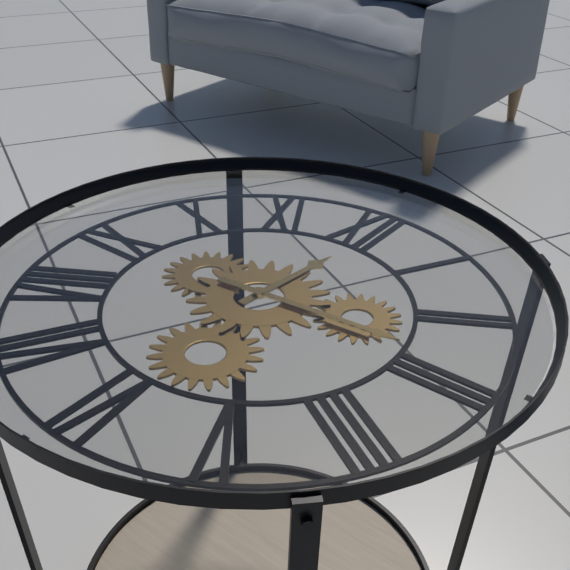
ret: {"hour": 12, "minute": 14}
